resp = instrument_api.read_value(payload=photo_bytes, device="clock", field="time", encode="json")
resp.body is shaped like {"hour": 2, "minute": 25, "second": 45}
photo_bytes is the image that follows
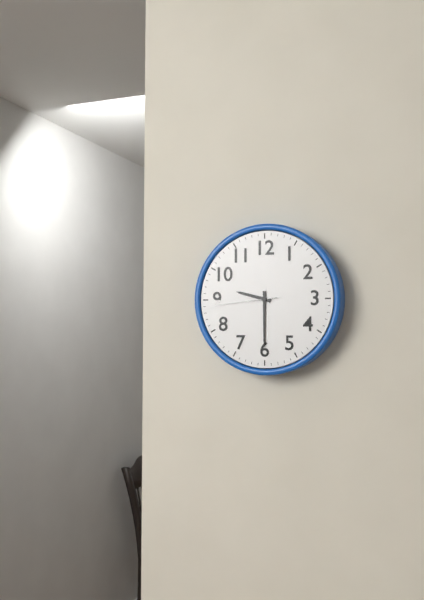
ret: {"hour": 9, "minute": 30, "second": 44}
